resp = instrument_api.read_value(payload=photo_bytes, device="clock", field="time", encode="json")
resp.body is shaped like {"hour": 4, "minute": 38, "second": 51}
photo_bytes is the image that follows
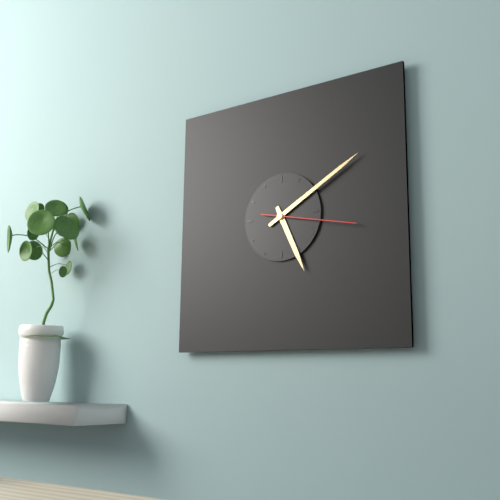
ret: {"hour": 5, "minute": 10, "second": 17}
